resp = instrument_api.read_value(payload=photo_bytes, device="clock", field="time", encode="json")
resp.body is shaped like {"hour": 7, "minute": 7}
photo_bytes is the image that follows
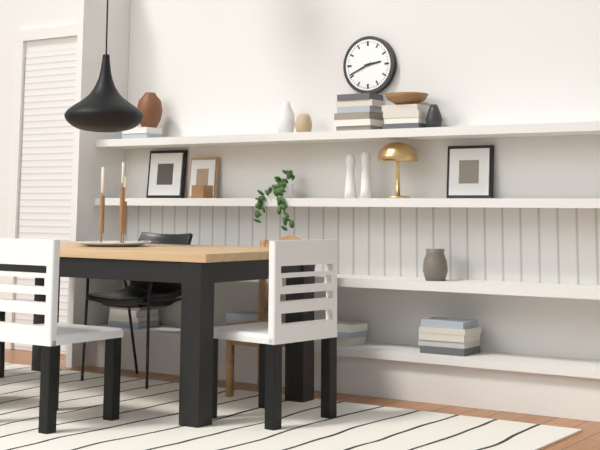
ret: {"hour": 2, "minute": 41}
